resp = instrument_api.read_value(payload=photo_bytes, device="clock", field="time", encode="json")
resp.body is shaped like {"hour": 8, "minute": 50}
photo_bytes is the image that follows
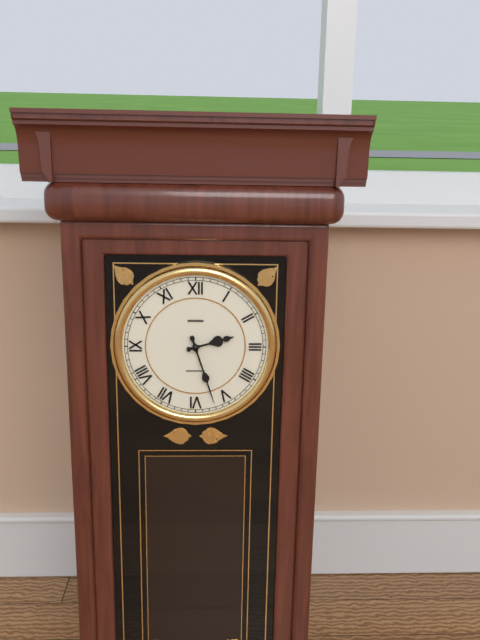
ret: {"hour": 2, "minute": 27}
